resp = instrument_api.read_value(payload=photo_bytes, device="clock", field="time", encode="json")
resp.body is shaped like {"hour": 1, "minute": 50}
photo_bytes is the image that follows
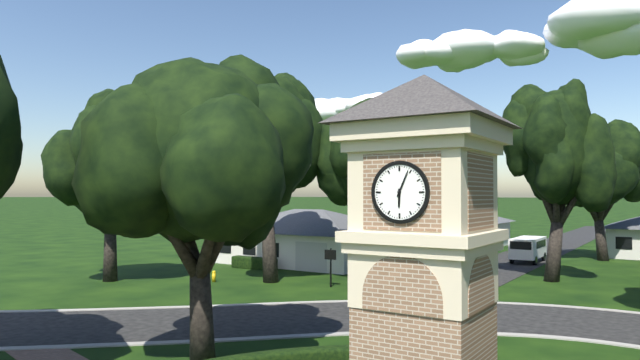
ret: {"hour": 6, "minute": 4}
